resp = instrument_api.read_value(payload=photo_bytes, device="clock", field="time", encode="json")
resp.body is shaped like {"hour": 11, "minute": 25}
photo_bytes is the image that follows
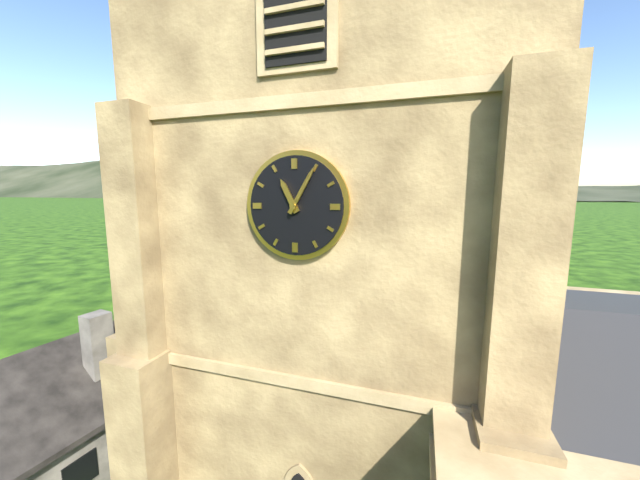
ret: {"hour": 11, "minute": 5}
